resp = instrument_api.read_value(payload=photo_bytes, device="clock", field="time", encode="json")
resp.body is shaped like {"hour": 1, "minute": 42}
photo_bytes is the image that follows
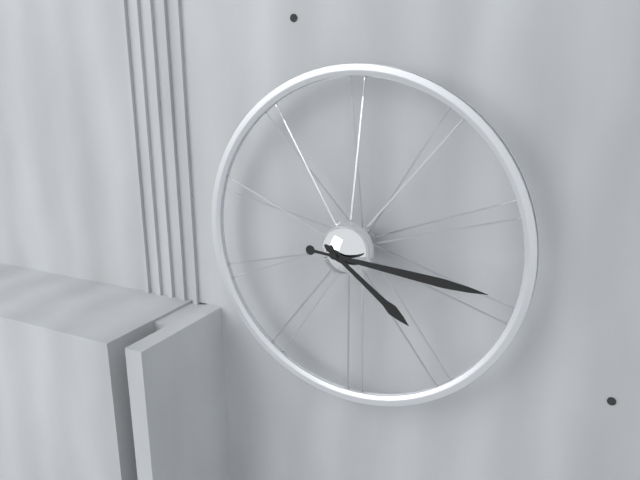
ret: {"hour": 4, "minute": 16}
